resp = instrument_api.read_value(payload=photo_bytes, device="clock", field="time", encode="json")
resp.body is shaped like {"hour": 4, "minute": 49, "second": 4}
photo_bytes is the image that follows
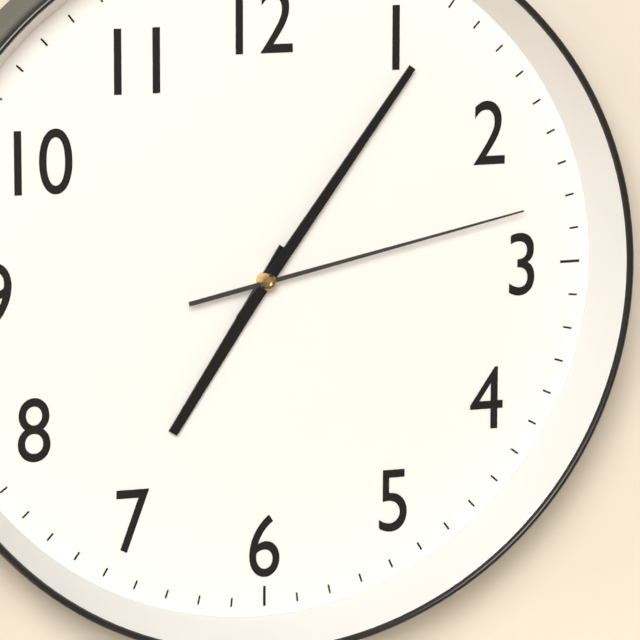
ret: {"hour": 7, "minute": 6, "second": 13}
